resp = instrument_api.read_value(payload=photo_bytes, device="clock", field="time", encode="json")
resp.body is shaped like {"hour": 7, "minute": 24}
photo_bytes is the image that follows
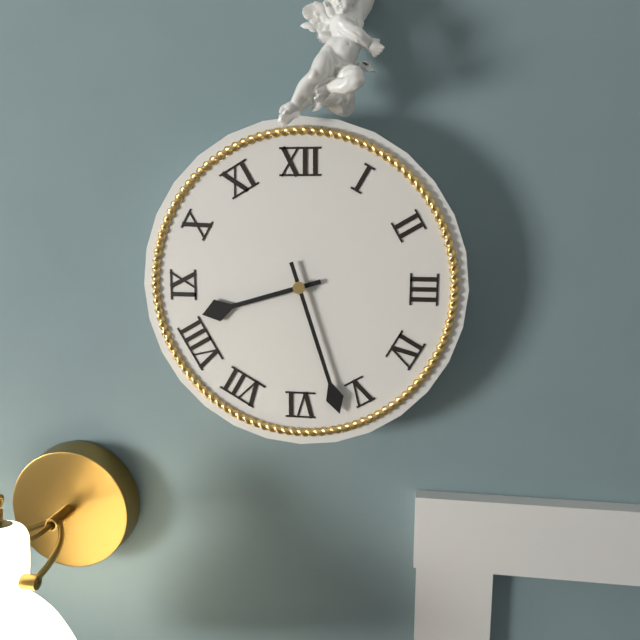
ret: {"hour": 8, "minute": 27}
